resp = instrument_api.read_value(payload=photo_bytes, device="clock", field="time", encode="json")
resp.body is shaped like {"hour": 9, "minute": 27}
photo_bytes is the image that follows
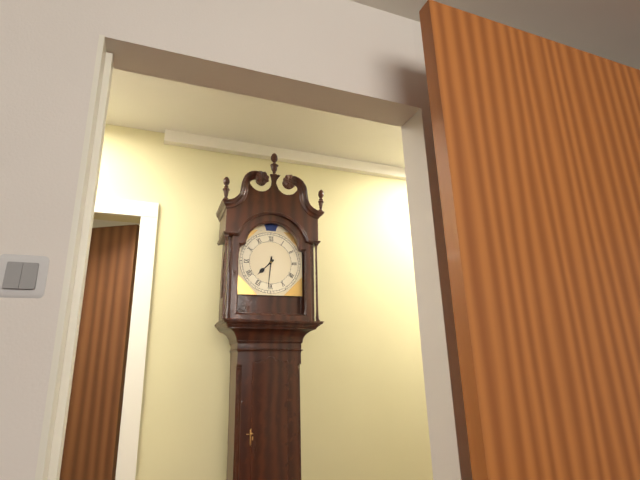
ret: {"hour": 7, "minute": 31}
